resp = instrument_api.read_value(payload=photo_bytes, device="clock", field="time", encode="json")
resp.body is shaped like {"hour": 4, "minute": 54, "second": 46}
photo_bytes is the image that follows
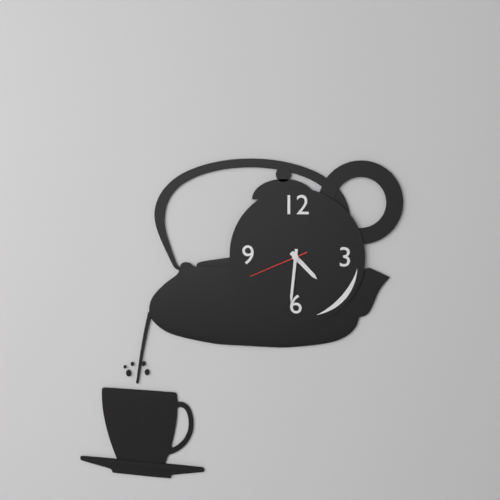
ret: {"hour": 4, "minute": 31, "second": 41}
